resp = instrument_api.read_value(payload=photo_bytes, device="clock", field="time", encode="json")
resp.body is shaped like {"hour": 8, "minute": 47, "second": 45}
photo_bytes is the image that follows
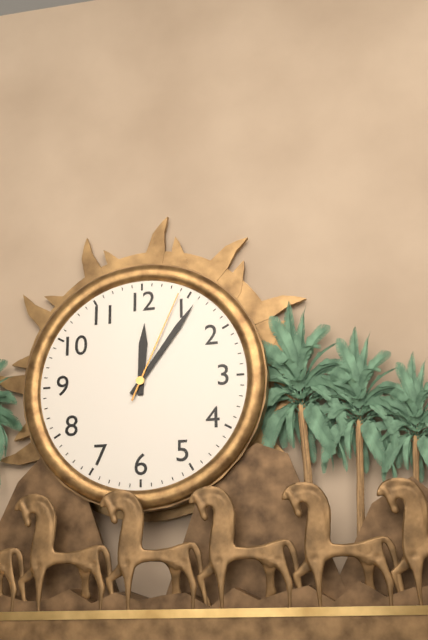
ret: {"hour": 12, "minute": 6, "second": 4}
